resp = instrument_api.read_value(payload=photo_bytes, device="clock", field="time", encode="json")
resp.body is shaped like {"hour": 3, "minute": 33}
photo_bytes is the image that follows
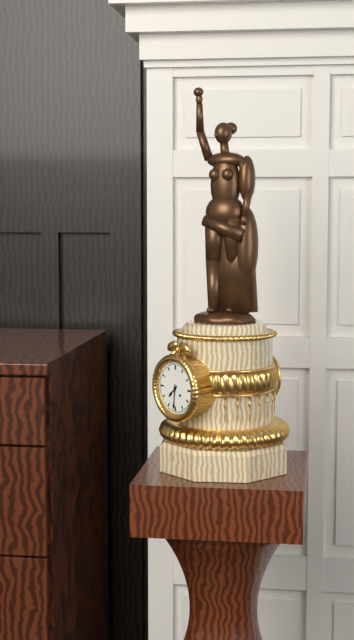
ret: {"hour": 7, "minute": 31}
